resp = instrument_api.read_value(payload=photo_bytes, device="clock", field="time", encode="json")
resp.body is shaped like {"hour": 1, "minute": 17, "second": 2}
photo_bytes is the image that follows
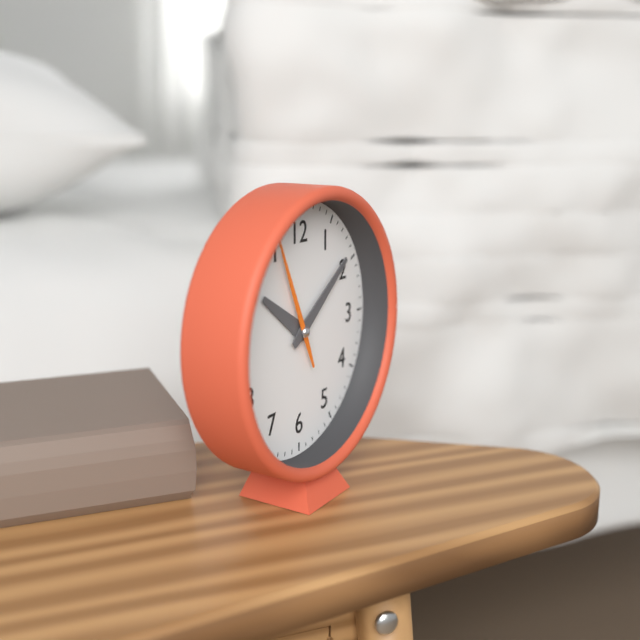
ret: {"hour": 10, "minute": 9, "second": 56}
